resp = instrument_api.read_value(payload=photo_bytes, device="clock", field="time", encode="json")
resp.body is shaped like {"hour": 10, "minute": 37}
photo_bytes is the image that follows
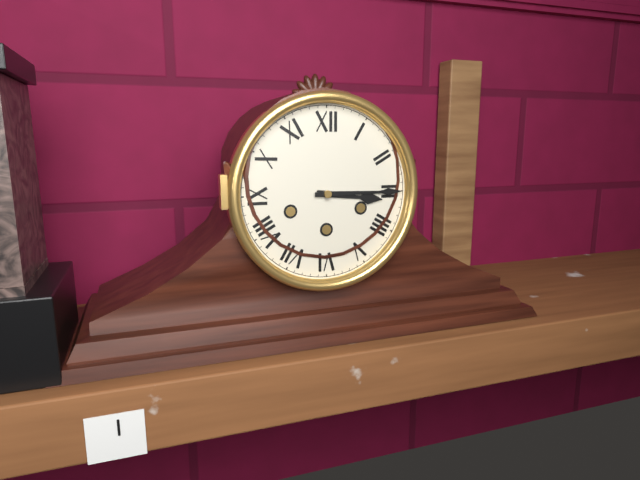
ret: {"hour": 3, "minute": 15}
